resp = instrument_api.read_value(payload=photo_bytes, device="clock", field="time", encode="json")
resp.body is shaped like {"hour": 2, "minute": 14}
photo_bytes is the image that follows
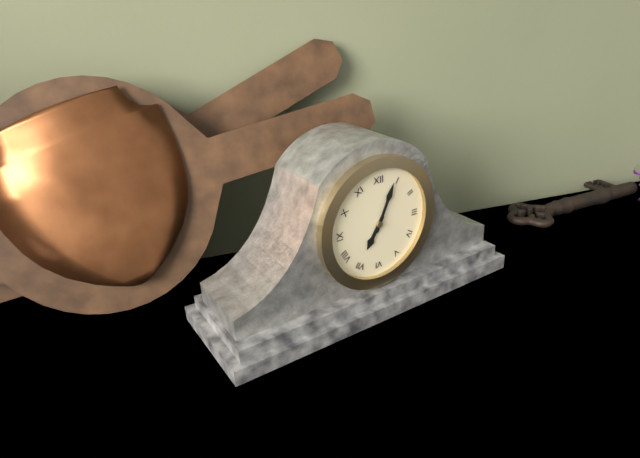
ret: {"hour": 7, "minute": 4}
